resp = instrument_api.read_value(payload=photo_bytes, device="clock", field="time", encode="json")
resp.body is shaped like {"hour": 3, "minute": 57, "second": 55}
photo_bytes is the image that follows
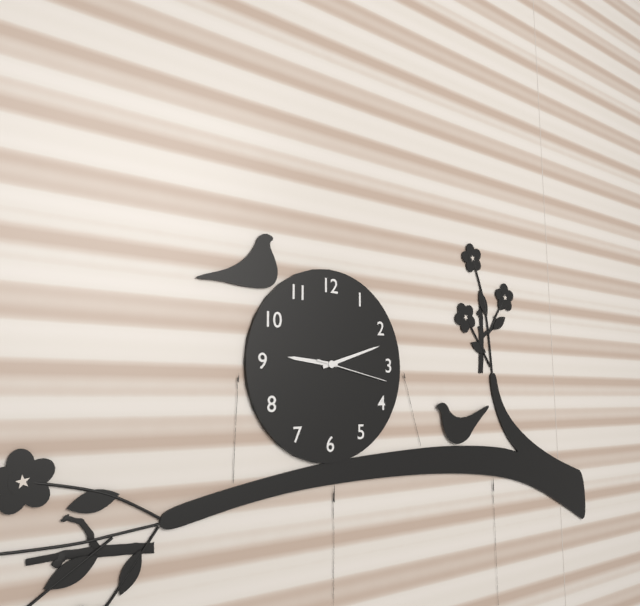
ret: {"hour": 9, "minute": 12, "second": 17}
